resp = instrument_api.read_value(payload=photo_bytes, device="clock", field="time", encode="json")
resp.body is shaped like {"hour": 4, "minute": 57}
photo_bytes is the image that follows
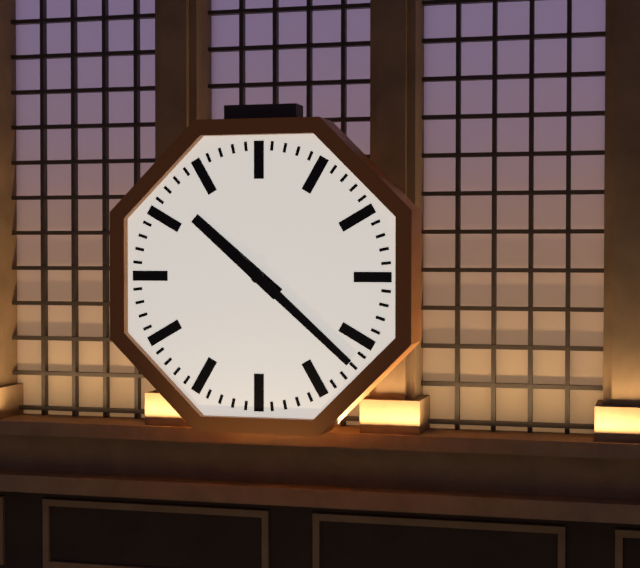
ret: {"hour": 10, "minute": 22}
